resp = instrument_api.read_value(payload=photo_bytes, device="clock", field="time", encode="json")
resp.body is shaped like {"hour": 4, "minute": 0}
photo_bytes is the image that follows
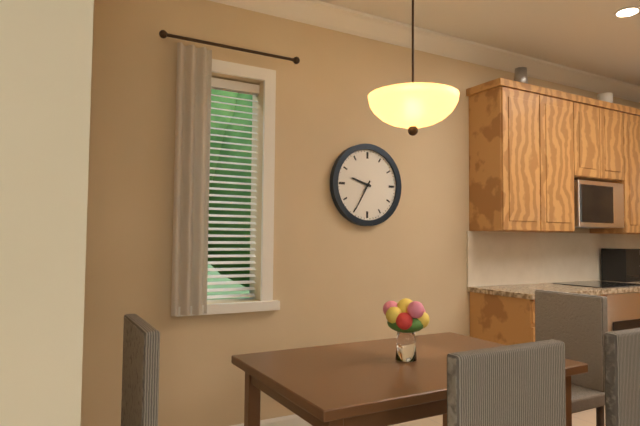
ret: {"hour": 9, "minute": 35}
